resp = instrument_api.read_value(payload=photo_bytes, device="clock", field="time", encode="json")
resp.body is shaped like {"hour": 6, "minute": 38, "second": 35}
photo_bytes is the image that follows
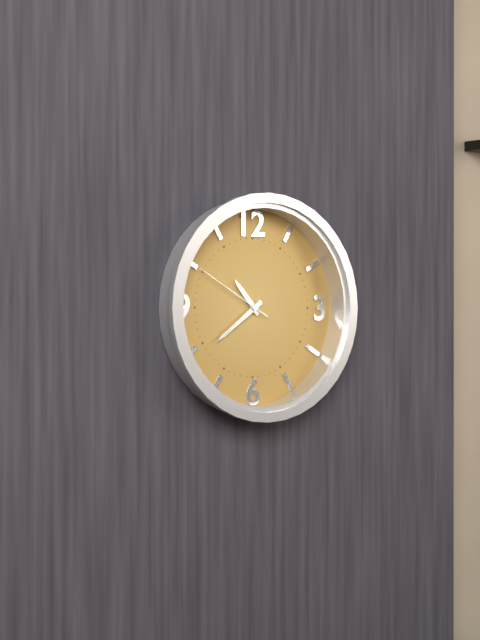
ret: {"hour": 10, "minute": 39, "second": 50}
